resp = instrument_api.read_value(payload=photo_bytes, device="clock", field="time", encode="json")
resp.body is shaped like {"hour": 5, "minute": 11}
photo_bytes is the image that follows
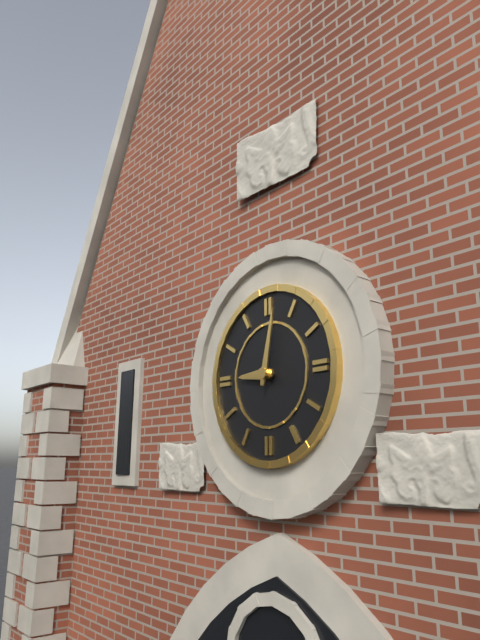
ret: {"hour": 9, "minute": 2}
